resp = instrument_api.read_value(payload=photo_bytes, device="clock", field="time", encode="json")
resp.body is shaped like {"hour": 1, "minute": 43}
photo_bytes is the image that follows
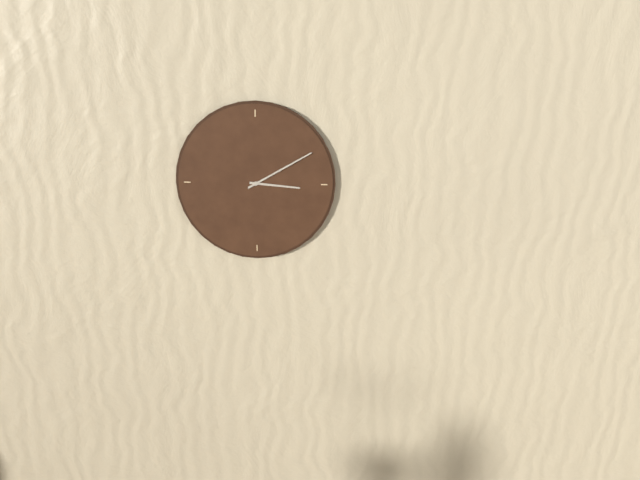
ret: {"hour": 3, "minute": 10}
